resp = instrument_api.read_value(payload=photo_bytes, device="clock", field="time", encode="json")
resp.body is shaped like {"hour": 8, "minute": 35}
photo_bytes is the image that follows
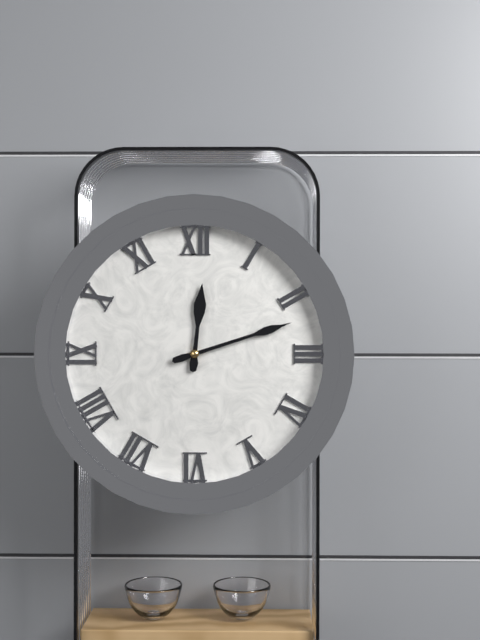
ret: {"hour": 12, "minute": 12}
